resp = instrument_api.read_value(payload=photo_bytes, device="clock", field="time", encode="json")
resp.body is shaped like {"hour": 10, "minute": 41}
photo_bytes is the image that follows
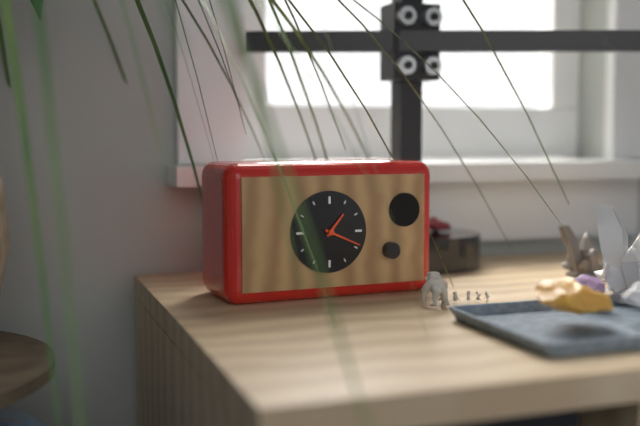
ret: {"hour": 1, "minute": 19}
